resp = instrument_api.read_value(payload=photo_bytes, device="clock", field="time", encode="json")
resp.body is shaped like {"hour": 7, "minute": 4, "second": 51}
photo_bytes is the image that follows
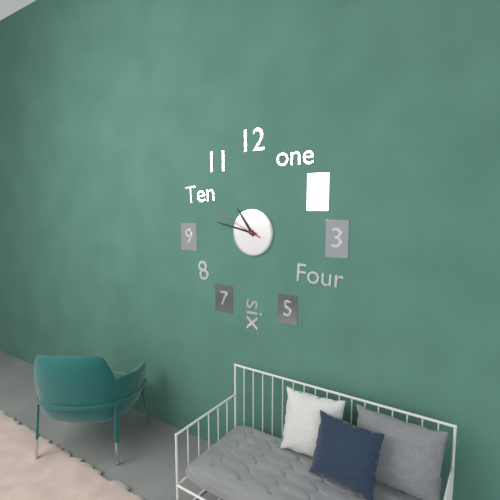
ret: {"hour": 10, "minute": 47, "second": 49}
